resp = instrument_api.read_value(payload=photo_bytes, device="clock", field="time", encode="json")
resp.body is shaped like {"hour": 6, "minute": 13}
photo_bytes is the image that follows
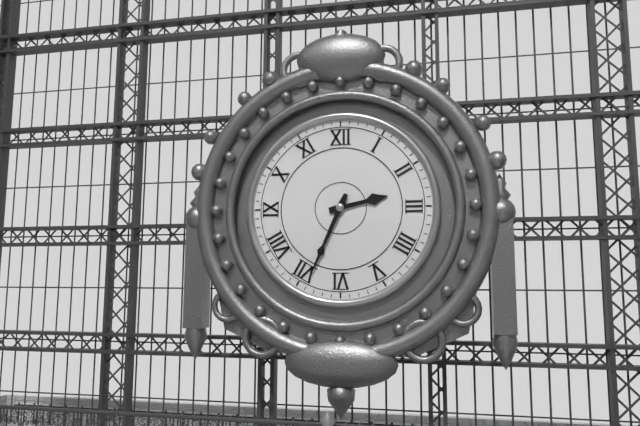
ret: {"hour": 2, "minute": 34}
